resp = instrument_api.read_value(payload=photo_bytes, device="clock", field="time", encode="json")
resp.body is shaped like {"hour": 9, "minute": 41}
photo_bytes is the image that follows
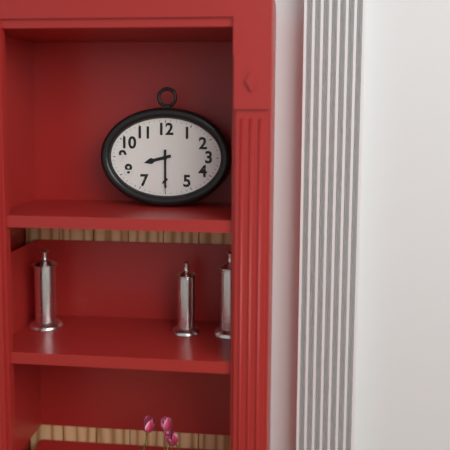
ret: {"hour": 8, "minute": 30}
